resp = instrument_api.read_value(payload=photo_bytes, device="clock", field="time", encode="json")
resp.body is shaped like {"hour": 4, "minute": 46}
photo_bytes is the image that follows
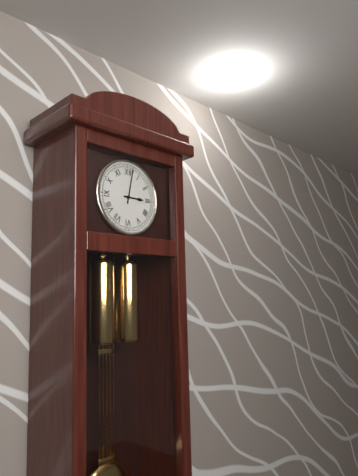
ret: {"hour": 3, "minute": 2}
